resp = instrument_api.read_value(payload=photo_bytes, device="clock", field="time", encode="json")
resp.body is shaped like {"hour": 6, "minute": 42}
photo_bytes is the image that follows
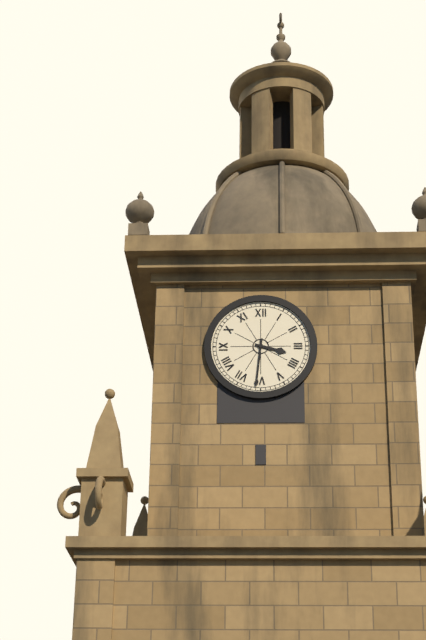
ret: {"hour": 3, "minute": 31}
